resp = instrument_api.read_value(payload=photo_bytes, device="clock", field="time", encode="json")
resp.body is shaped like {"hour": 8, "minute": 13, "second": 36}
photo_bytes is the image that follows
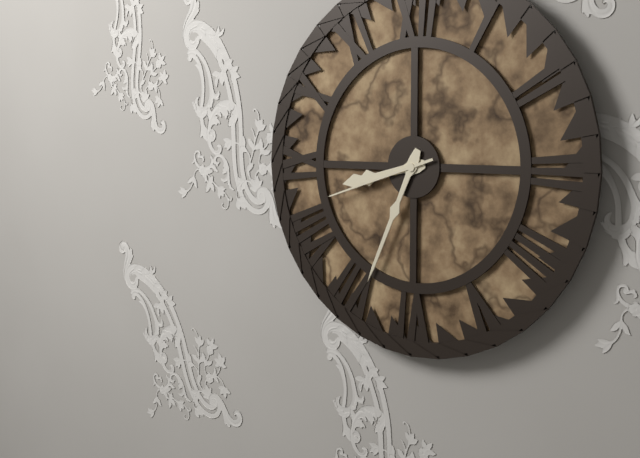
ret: {"hour": 8, "minute": 34, "second": 42}
